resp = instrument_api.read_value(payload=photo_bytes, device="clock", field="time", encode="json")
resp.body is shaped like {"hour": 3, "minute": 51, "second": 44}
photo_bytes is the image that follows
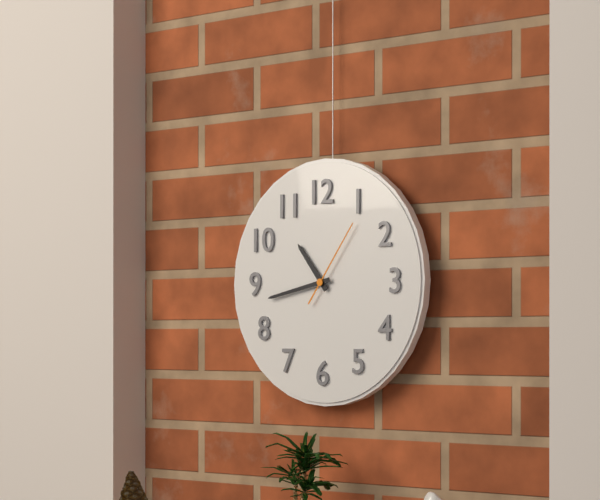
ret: {"hour": 10, "minute": 43, "second": 6}
